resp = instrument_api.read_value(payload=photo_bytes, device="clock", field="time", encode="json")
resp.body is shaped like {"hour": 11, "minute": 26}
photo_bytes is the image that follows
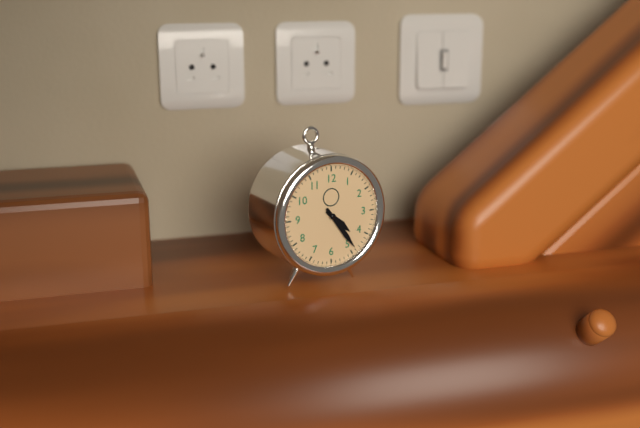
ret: {"hour": 4, "minute": 24}
